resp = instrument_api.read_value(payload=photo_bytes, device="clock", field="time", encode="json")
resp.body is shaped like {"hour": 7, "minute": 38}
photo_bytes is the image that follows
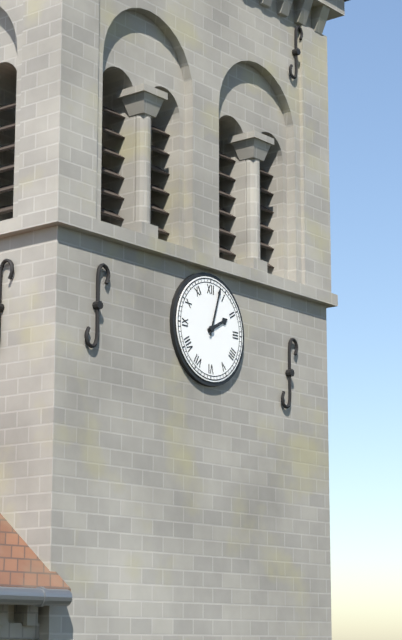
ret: {"hour": 2, "minute": 3}
